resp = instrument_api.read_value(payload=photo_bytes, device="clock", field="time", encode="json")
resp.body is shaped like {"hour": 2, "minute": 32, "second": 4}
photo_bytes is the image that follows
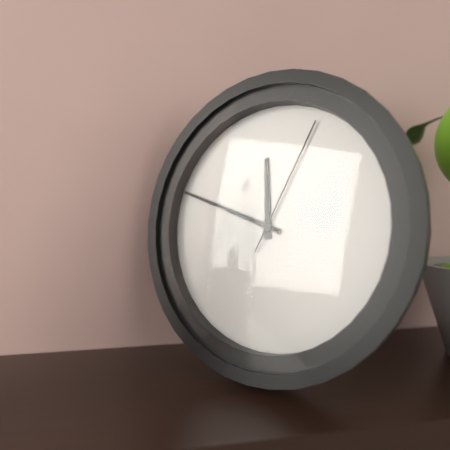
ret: {"hour": 11, "minute": 48, "second": 4}
